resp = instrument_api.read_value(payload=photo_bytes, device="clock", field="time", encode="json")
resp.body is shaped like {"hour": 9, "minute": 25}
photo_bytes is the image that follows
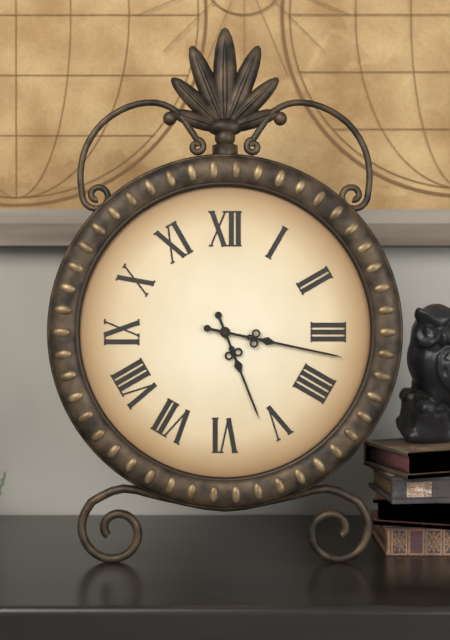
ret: {"hour": 5, "minute": 17}
